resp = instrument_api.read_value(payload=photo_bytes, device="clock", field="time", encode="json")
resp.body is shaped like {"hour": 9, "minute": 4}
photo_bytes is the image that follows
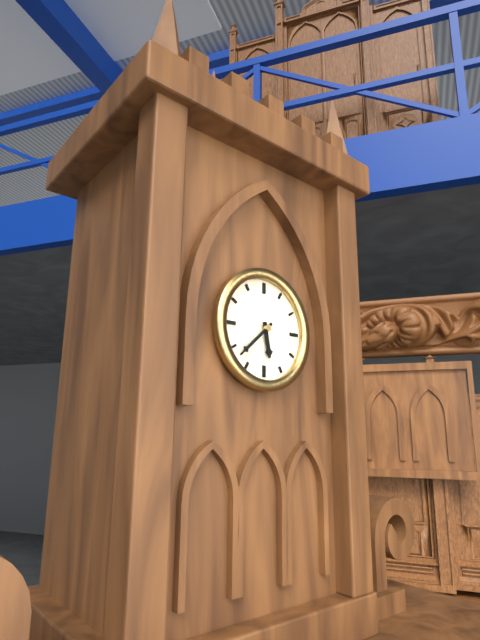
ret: {"hour": 5, "minute": 38}
